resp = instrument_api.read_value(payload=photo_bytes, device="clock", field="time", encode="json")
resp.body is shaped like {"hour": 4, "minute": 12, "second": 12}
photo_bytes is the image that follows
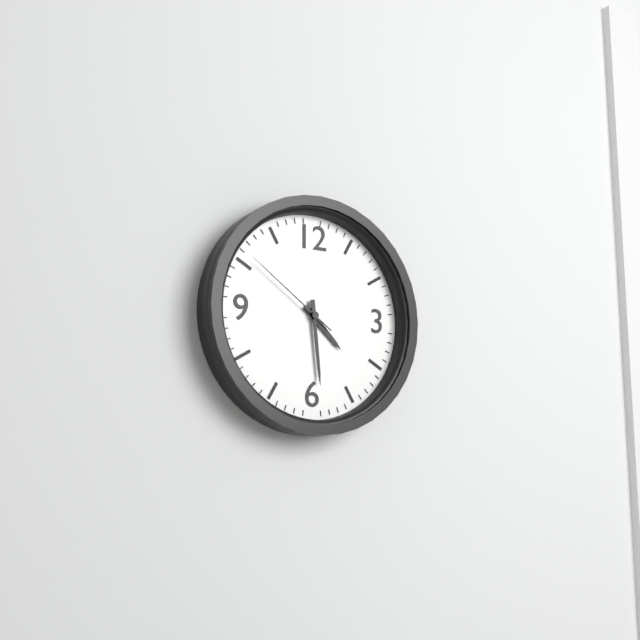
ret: {"hour": 4, "minute": 29, "second": 51}
